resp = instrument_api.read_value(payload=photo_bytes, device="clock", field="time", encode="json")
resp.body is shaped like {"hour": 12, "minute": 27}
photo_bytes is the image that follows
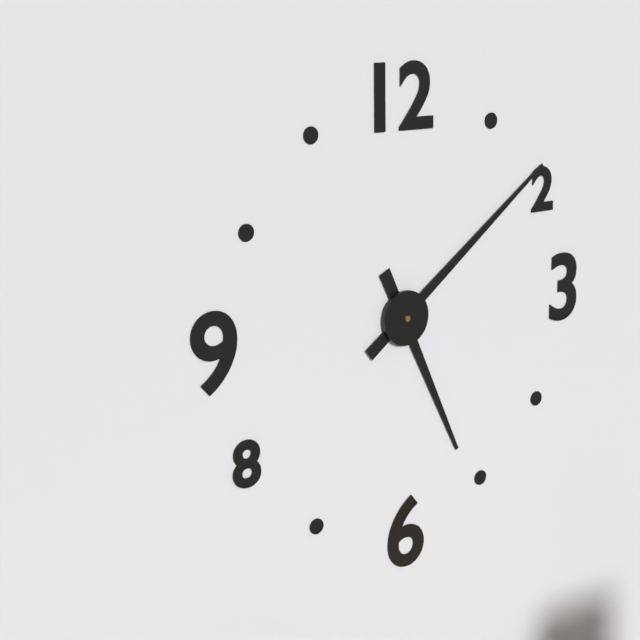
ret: {"hour": 5, "minute": 9}
